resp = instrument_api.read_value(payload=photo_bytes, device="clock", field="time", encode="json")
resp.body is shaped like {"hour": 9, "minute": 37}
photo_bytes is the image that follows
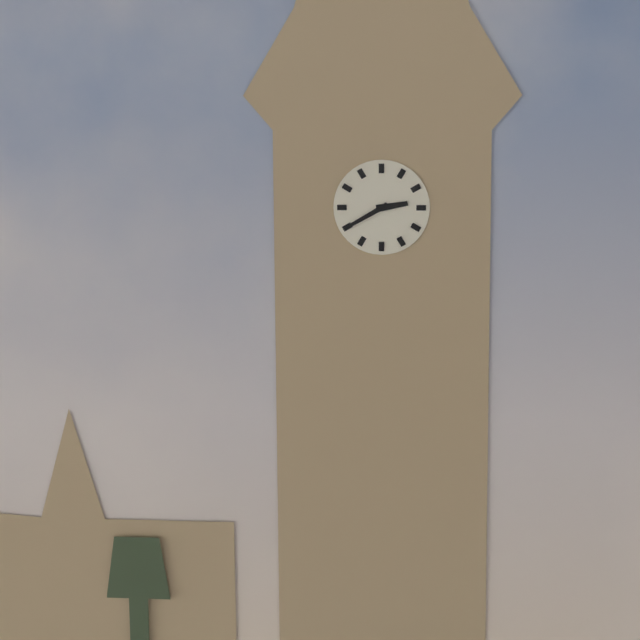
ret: {"hour": 2, "minute": 40}
